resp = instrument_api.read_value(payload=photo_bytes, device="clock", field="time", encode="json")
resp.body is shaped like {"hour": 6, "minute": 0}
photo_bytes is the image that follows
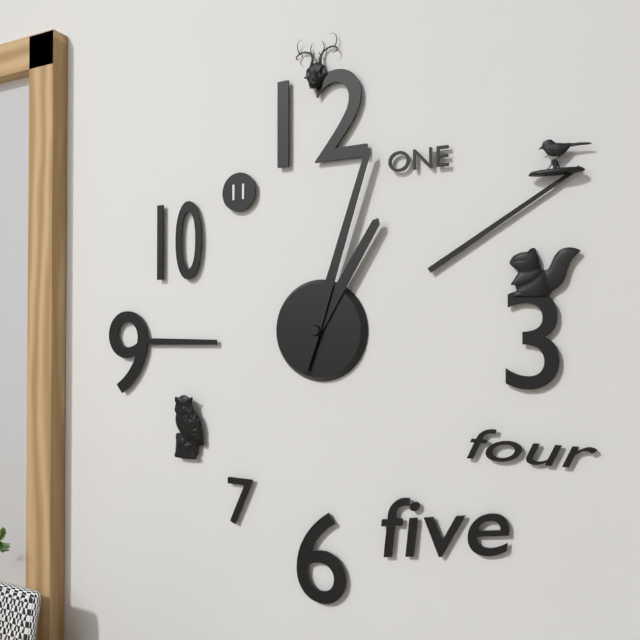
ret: {"hour": 1, "minute": 3}
